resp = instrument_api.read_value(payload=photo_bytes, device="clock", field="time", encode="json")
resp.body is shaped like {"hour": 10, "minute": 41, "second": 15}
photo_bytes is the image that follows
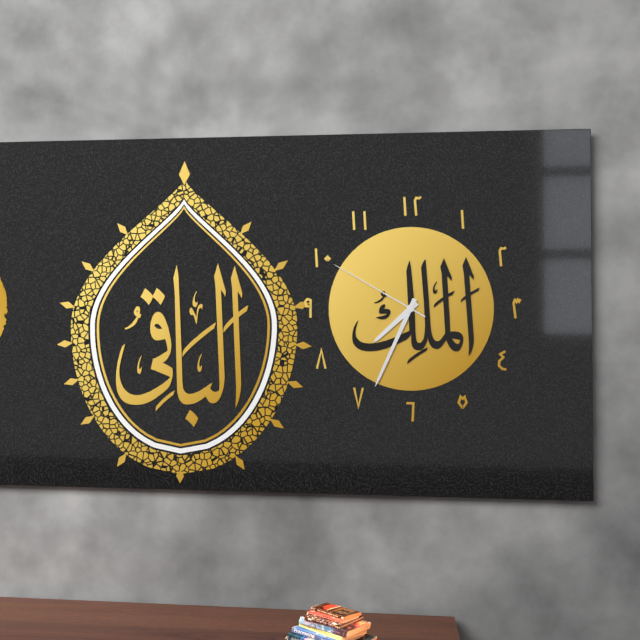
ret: {"hour": 7, "minute": 34, "second": 50}
